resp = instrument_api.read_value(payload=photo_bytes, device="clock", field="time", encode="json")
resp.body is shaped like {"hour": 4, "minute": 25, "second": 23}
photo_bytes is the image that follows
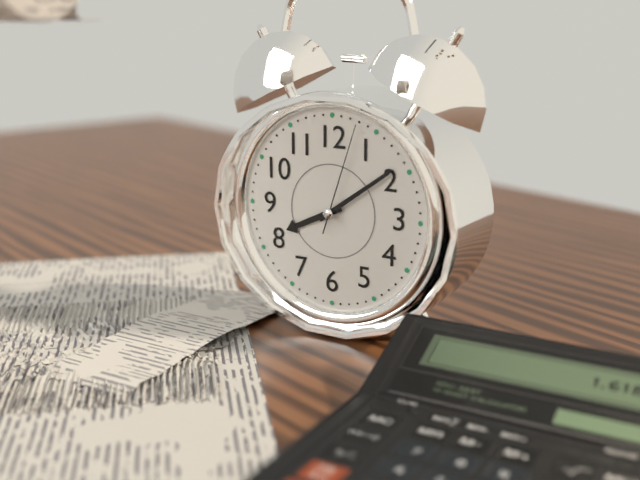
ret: {"hour": 8, "minute": 9, "second": 3}
